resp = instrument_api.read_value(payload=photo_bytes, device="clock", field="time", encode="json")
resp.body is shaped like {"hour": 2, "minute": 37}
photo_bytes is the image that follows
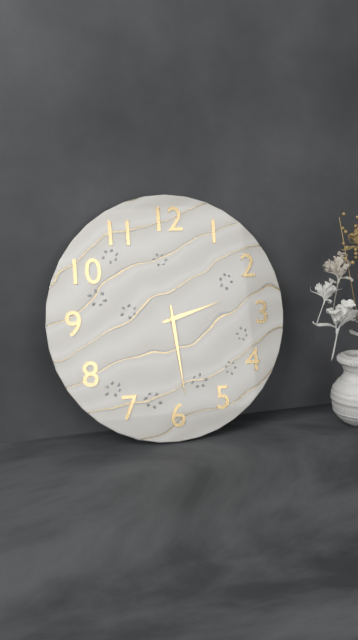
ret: {"hour": 2, "minute": 29}
